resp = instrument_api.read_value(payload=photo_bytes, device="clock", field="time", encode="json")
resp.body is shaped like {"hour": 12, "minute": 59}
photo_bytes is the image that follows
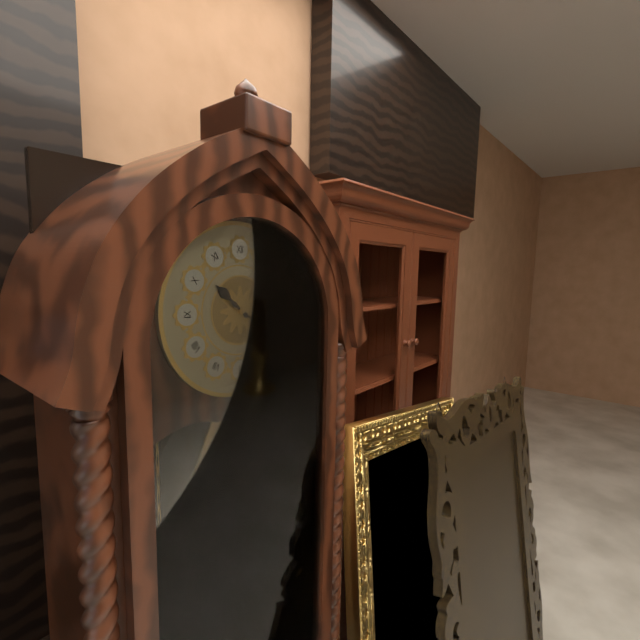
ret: {"hour": 10, "minute": 21}
